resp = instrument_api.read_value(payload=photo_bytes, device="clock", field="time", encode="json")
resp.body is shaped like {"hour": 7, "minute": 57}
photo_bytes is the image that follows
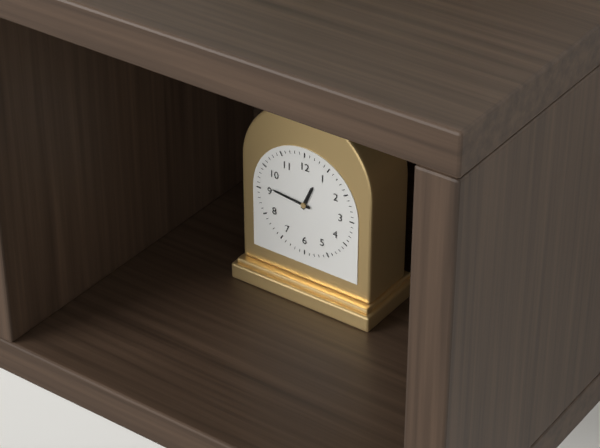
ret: {"hour": 12, "minute": 46}
